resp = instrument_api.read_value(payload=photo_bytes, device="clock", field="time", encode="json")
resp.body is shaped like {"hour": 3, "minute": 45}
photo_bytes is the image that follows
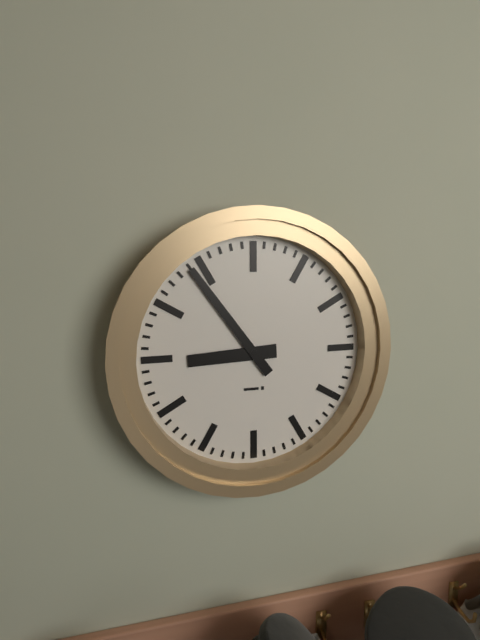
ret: {"hour": 8, "minute": 54}
